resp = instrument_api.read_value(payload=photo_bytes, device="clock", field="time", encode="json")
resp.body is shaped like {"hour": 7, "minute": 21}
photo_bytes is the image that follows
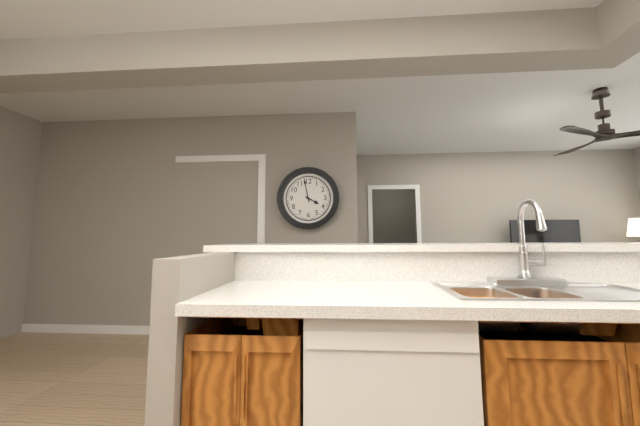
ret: {"hour": 3, "minute": 58}
